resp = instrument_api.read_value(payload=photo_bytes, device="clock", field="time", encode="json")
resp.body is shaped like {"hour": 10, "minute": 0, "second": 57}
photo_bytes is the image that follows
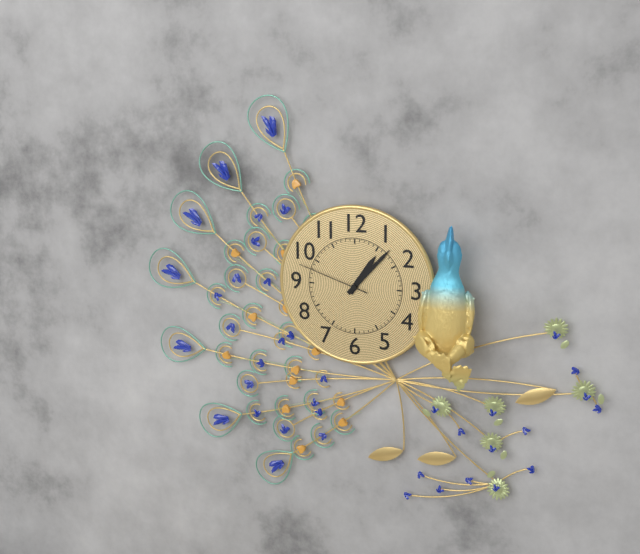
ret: {"hour": 1, "minute": 7, "second": 48}
